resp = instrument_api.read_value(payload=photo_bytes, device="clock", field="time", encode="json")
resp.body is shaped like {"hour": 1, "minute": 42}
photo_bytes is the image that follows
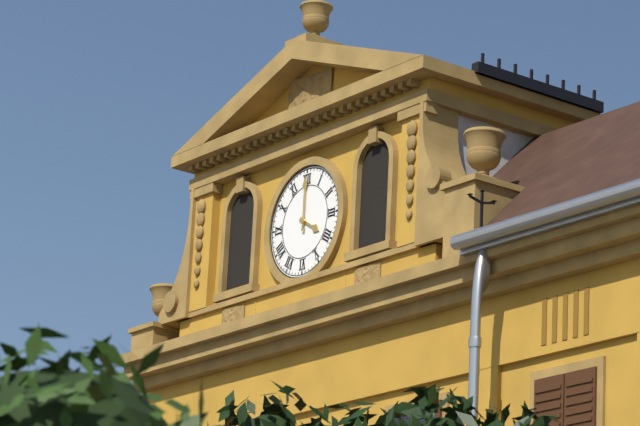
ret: {"hour": 4, "minute": 0}
